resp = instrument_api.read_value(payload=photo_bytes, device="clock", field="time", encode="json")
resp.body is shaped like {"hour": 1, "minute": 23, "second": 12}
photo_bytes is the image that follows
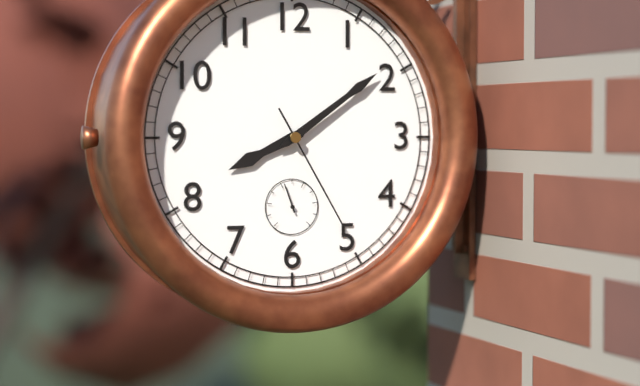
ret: {"hour": 8, "minute": 9, "second": 25}
